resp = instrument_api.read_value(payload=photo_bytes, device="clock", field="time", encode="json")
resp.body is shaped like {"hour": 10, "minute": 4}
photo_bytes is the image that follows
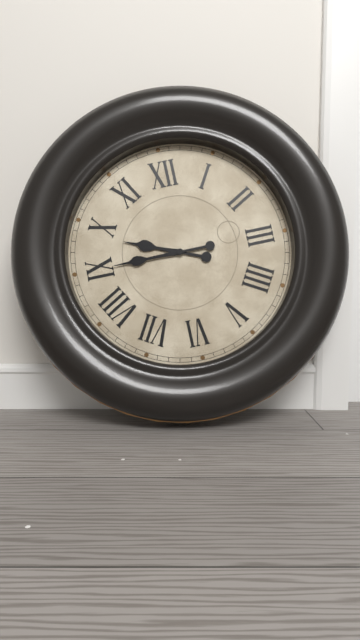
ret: {"hour": 9, "minute": 45}
